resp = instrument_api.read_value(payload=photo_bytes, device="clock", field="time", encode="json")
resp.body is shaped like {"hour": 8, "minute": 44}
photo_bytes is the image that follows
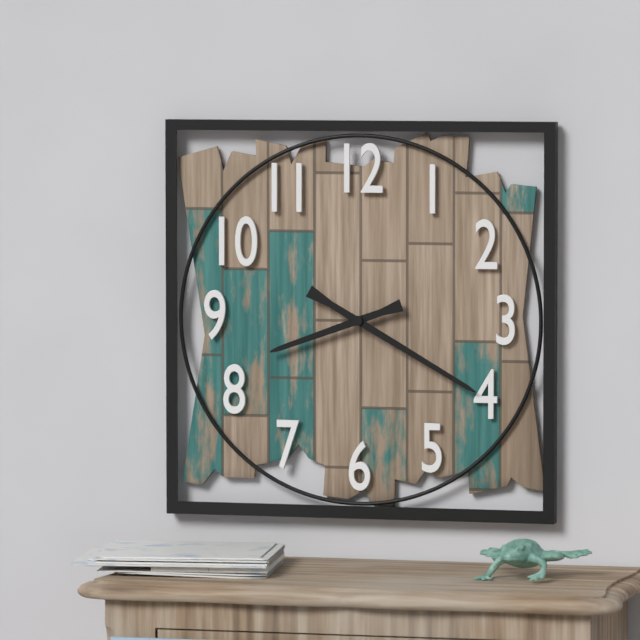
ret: {"hour": 8, "minute": 20}
